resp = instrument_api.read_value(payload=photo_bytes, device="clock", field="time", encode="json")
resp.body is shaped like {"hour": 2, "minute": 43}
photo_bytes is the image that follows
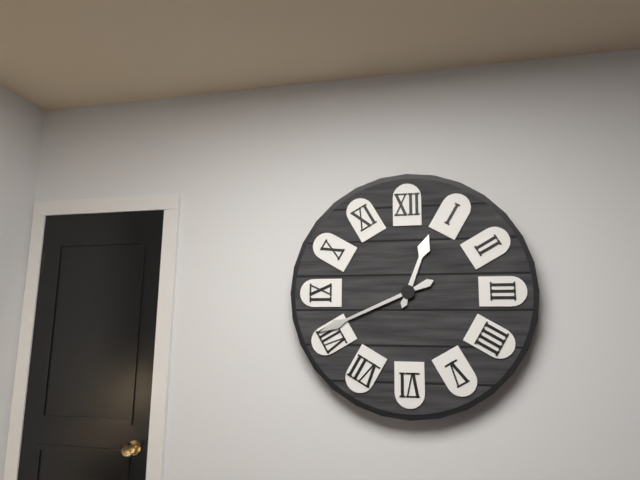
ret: {"hour": 12, "minute": 41}
